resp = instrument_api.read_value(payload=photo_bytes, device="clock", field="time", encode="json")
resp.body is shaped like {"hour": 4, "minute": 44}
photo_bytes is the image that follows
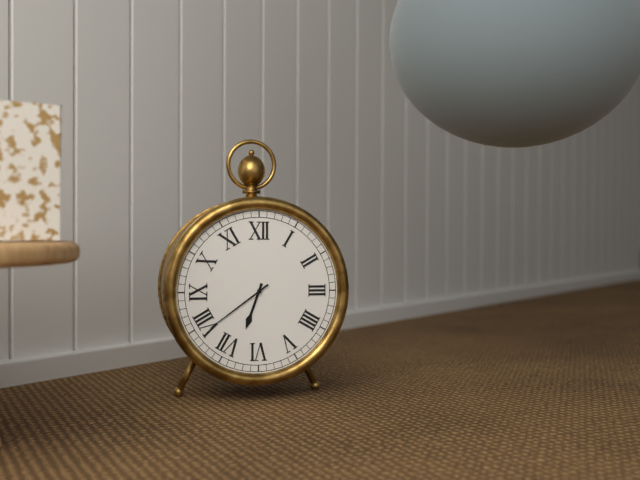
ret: {"hour": 6, "minute": 39}
